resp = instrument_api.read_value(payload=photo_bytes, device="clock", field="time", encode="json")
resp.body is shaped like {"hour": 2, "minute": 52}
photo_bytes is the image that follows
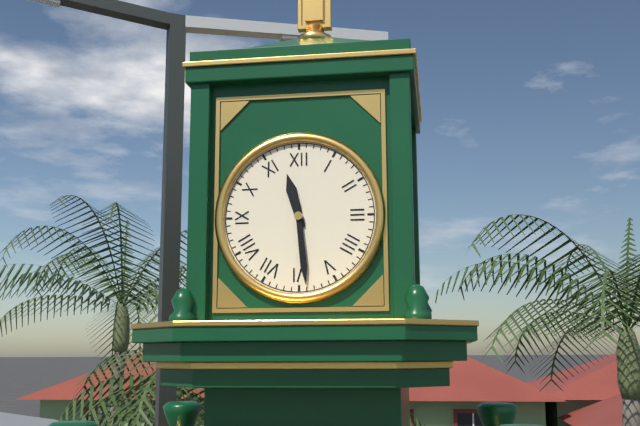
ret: {"hour": 11, "minute": 29}
